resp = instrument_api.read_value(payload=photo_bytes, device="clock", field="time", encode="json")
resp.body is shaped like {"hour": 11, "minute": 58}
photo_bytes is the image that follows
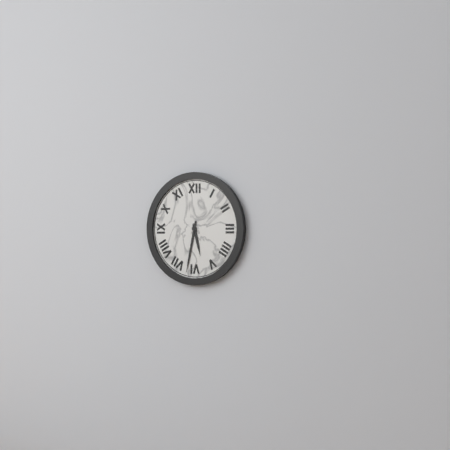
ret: {"hour": 5, "minute": 32}
